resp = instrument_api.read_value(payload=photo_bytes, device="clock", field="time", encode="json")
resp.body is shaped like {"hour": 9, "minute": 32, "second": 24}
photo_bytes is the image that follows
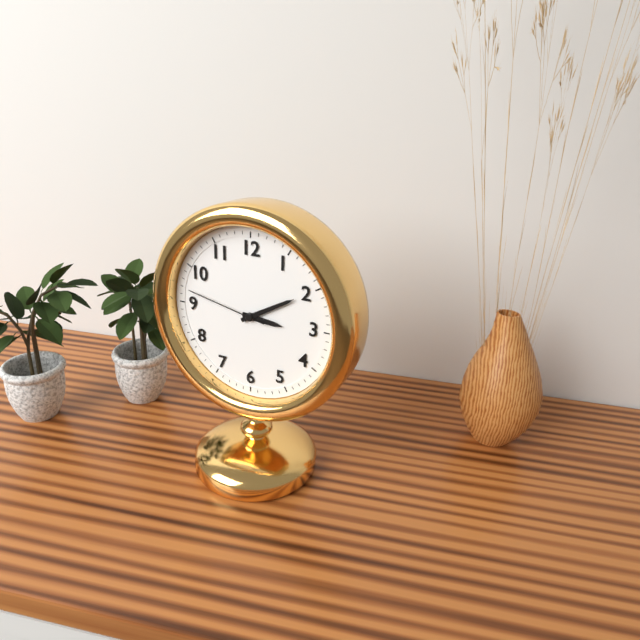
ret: {"hour": 3, "minute": 10, "second": 47}
